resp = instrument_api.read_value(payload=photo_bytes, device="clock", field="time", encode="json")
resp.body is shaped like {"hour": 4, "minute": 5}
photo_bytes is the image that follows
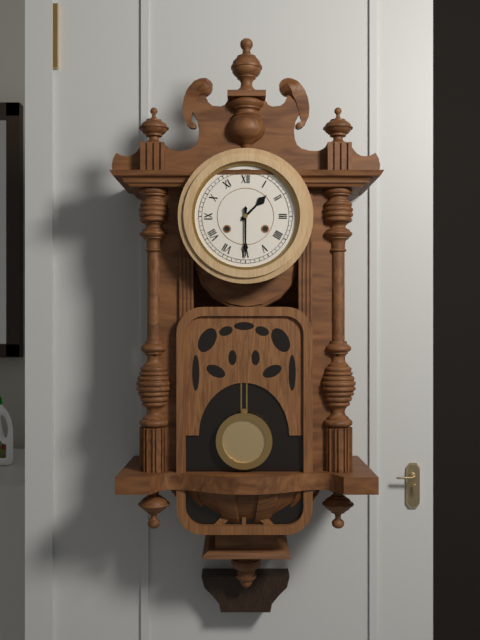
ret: {"hour": 1, "minute": 30}
